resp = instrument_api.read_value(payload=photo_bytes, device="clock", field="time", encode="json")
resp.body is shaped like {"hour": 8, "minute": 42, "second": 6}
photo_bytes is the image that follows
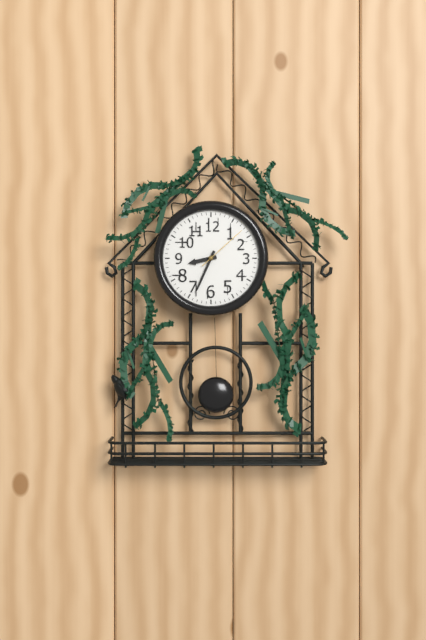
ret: {"hour": 8, "minute": 34, "second": 8}
